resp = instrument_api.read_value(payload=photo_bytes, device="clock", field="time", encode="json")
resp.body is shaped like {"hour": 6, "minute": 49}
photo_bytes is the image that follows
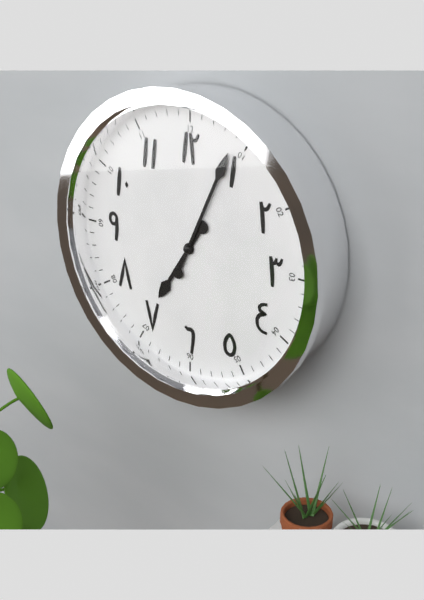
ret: {"hour": 7, "minute": 4}
